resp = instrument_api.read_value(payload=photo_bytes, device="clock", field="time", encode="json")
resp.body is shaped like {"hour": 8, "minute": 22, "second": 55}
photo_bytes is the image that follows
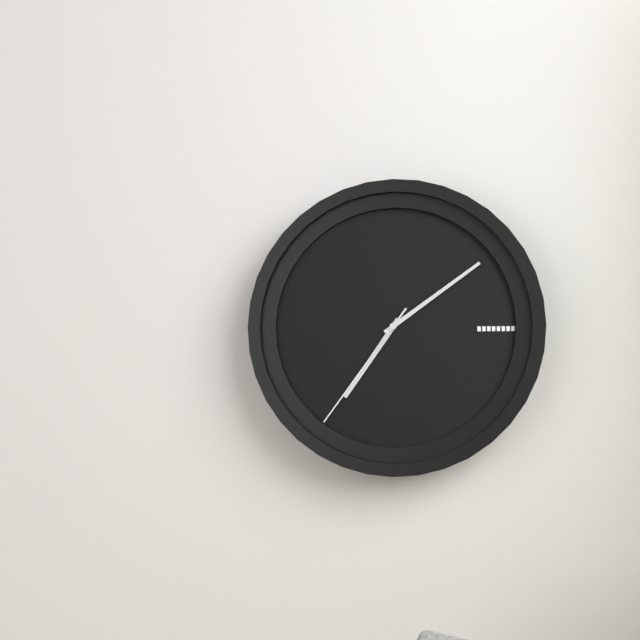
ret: {"hour": 7, "minute": 9, "second": 36}
